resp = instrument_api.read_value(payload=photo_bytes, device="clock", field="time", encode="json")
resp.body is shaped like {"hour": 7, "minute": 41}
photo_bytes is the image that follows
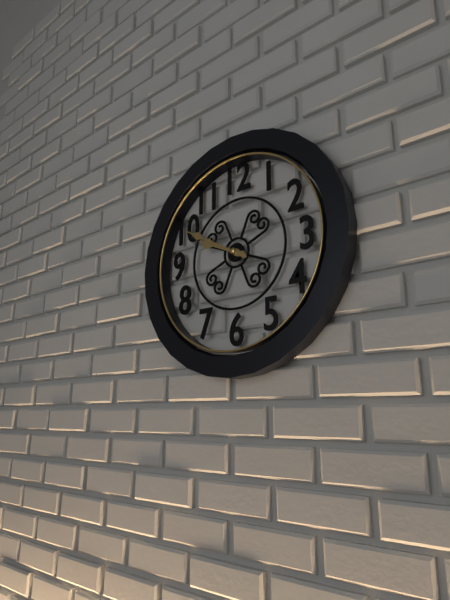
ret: {"hour": 9, "minute": 50}
